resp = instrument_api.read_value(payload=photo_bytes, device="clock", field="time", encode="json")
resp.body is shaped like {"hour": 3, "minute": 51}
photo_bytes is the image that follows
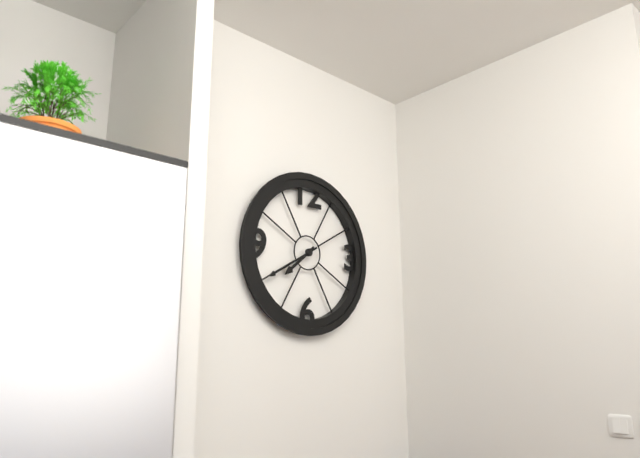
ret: {"hour": 7, "minute": 40}
